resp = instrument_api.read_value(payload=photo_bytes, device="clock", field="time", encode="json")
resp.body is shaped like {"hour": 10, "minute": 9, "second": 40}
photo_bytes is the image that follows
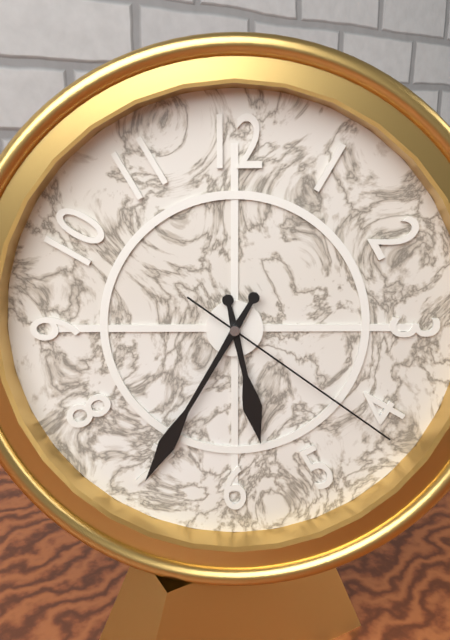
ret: {"hour": 5, "minute": 35, "second": 21}
